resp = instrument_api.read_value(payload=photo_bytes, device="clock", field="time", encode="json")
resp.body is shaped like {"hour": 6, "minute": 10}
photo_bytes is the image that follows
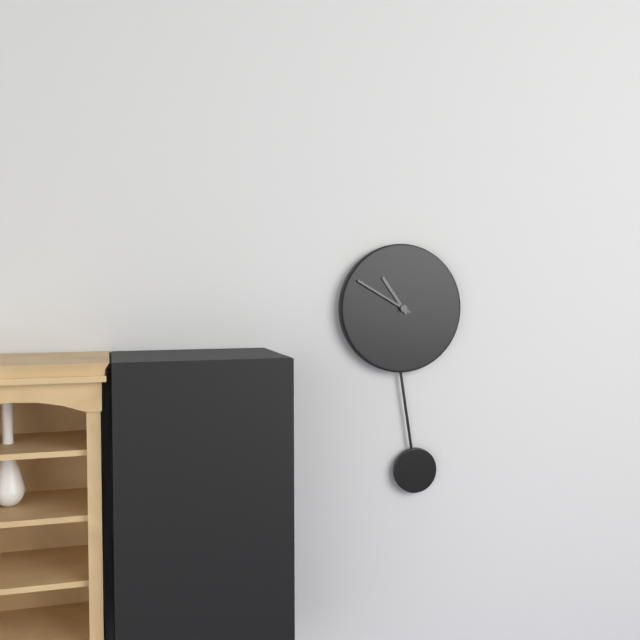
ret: {"hour": 10, "minute": 50}
